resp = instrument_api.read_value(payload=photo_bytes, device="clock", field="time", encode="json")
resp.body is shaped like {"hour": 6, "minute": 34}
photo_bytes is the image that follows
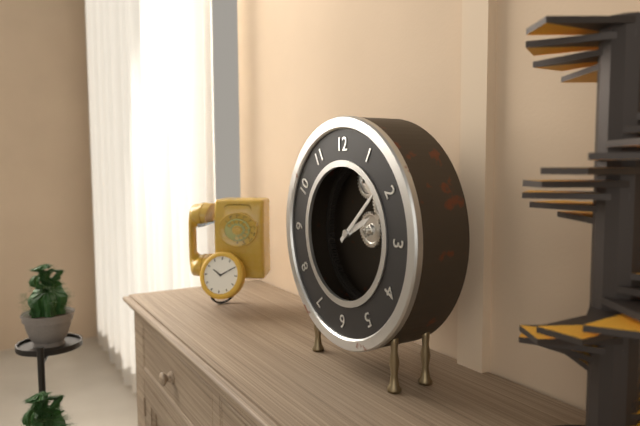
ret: {"hour": 2, "minute": 8}
